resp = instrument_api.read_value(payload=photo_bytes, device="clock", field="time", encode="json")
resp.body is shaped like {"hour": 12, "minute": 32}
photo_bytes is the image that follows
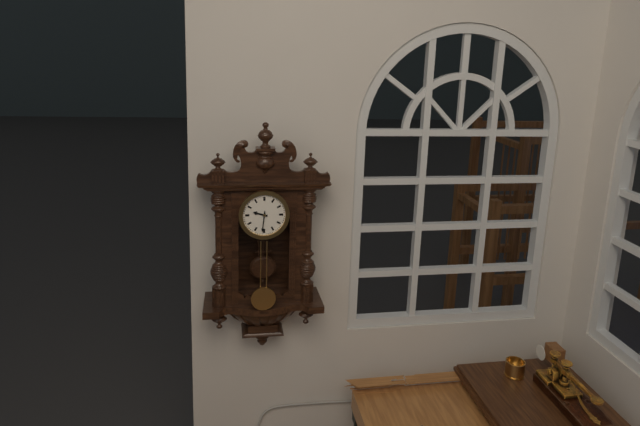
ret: {"hour": 9, "minute": 31}
